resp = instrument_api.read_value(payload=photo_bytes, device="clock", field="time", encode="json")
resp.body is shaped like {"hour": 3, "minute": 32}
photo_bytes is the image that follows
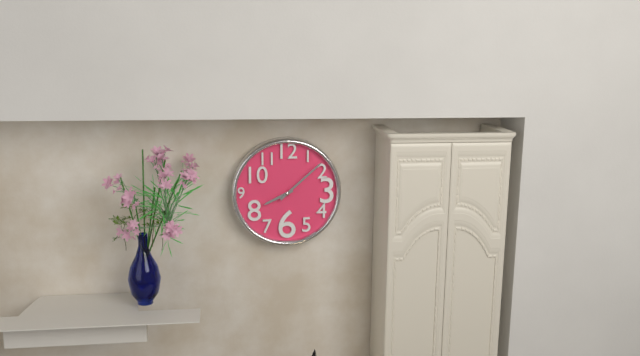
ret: {"hour": 8, "minute": 8}
